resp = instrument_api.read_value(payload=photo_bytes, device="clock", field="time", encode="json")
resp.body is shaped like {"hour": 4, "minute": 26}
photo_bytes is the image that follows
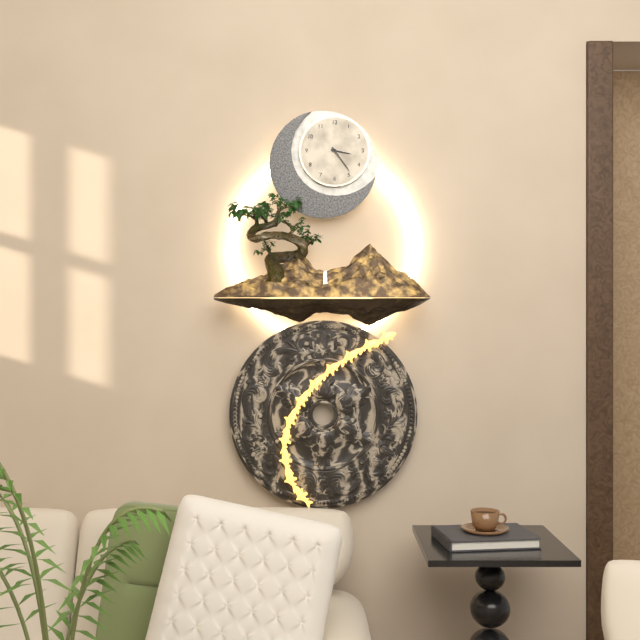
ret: {"hour": 3, "minute": 24}
